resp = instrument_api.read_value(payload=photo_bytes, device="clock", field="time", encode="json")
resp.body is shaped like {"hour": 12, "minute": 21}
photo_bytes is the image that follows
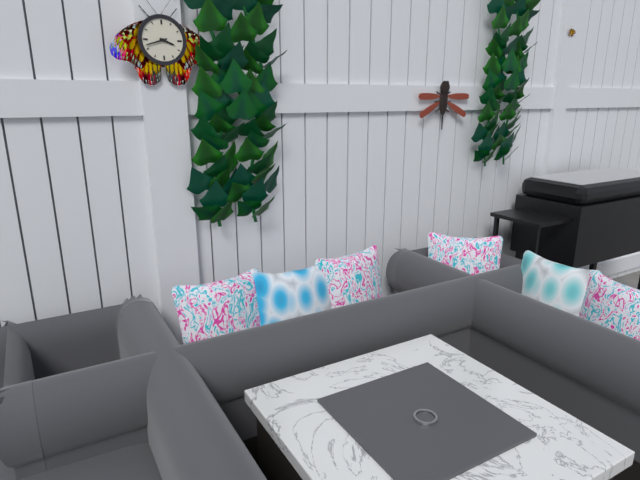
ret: {"hour": 3, "minute": 42}
